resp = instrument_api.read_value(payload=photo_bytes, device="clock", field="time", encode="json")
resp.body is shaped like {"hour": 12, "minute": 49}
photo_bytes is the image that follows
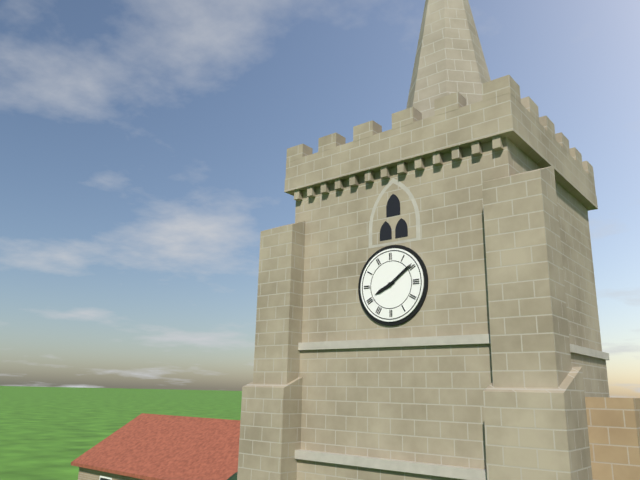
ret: {"hour": 8, "minute": 9}
